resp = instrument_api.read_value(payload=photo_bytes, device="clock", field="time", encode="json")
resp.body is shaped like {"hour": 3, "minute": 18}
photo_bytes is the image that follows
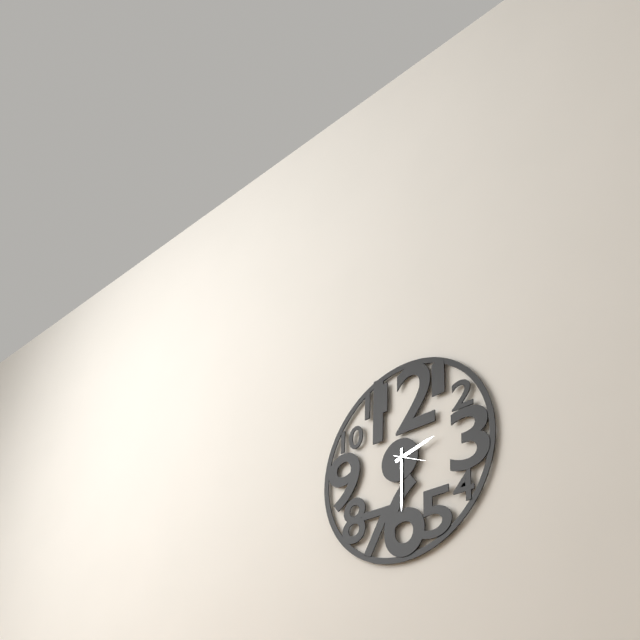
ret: {"hour": 2, "minute": 30}
